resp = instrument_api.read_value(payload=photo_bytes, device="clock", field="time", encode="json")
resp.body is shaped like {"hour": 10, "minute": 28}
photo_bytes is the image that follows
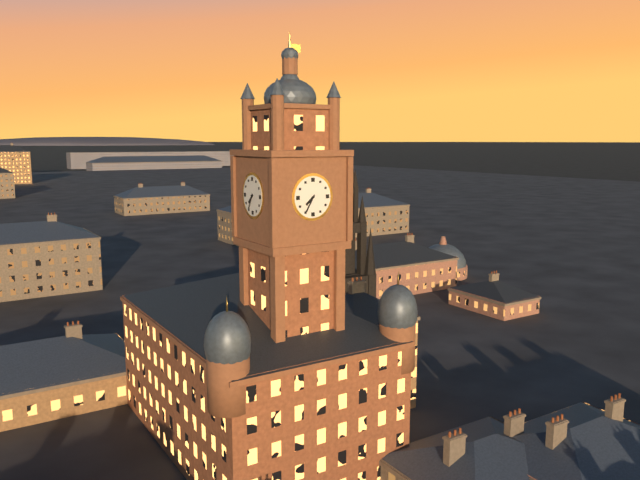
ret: {"hour": 7, "minute": 35}
